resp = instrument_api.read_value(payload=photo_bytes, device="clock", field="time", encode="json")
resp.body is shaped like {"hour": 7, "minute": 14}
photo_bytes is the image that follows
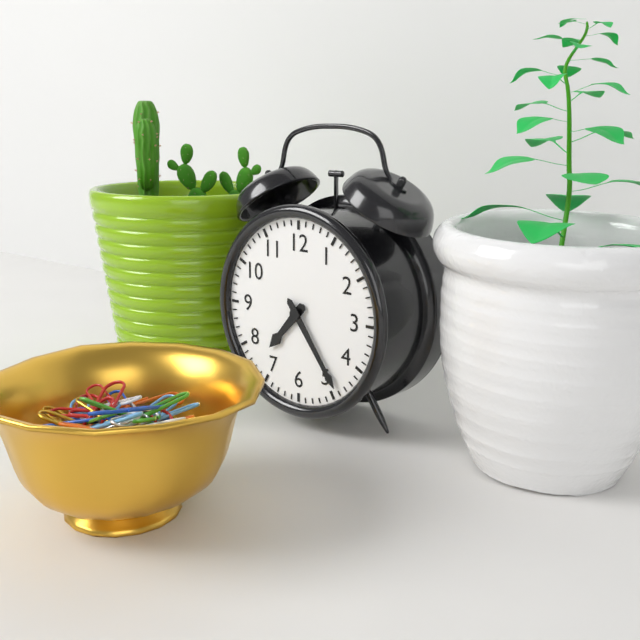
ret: {"hour": 7, "minute": 24}
